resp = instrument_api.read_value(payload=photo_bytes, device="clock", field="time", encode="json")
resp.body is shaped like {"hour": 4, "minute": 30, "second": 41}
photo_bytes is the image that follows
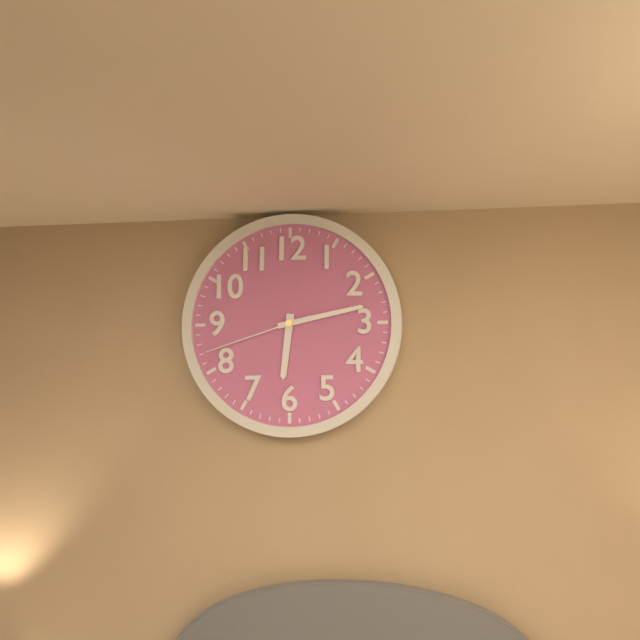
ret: {"hour": 6, "minute": 13, "second": 42}
